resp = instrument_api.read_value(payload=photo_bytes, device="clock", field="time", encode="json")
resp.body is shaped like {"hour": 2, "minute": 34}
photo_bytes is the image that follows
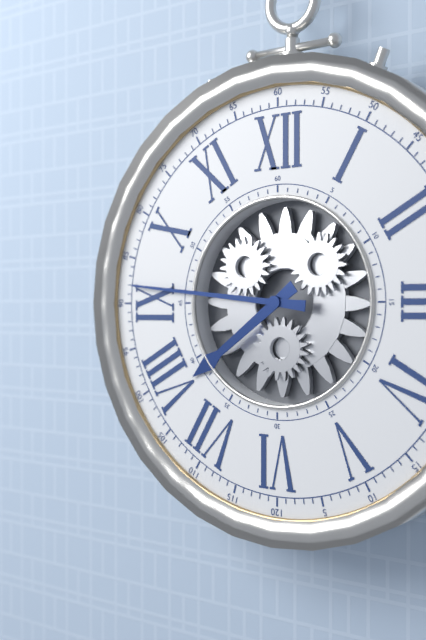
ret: {"hour": 7, "minute": 46}
